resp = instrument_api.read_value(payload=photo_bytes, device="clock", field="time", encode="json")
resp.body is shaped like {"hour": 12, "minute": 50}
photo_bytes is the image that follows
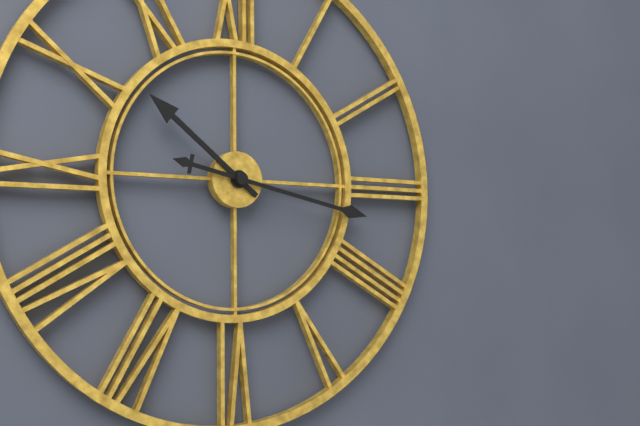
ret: {"hour": 10, "minute": 17}
